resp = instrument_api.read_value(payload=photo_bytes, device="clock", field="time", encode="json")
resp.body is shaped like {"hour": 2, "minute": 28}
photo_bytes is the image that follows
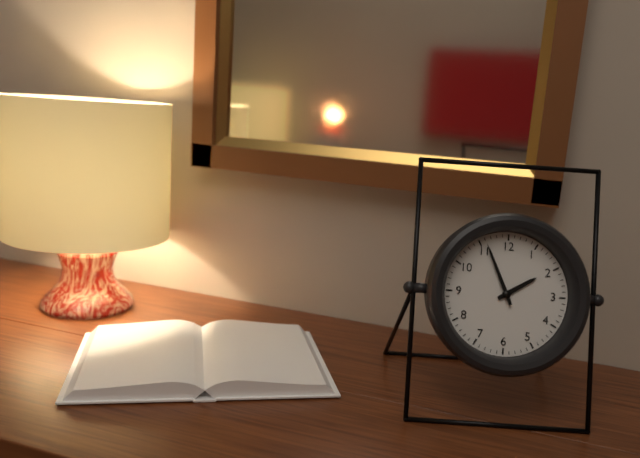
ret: {"hour": 1, "minute": 56}
